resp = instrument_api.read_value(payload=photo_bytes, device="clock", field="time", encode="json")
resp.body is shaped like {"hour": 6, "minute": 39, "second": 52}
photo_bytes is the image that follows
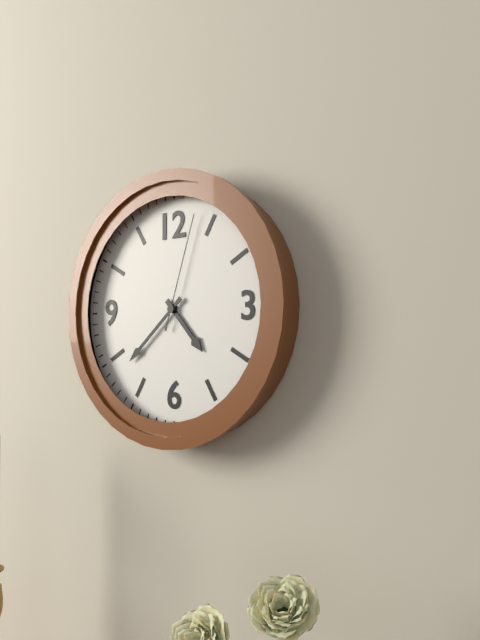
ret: {"hour": 4, "minute": 38, "second": 3}
